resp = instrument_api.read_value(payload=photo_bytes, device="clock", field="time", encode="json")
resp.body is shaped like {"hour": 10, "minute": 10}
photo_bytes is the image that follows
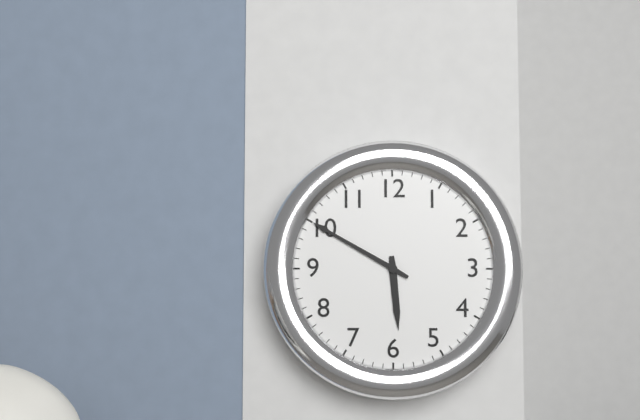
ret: {"hour": 5, "minute": 50}
